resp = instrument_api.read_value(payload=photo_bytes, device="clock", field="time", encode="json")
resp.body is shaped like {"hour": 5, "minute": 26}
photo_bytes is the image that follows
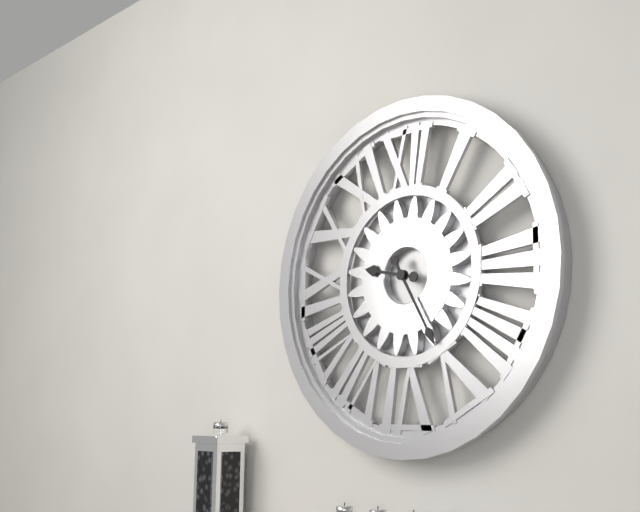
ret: {"hour": 9, "minute": 25}
